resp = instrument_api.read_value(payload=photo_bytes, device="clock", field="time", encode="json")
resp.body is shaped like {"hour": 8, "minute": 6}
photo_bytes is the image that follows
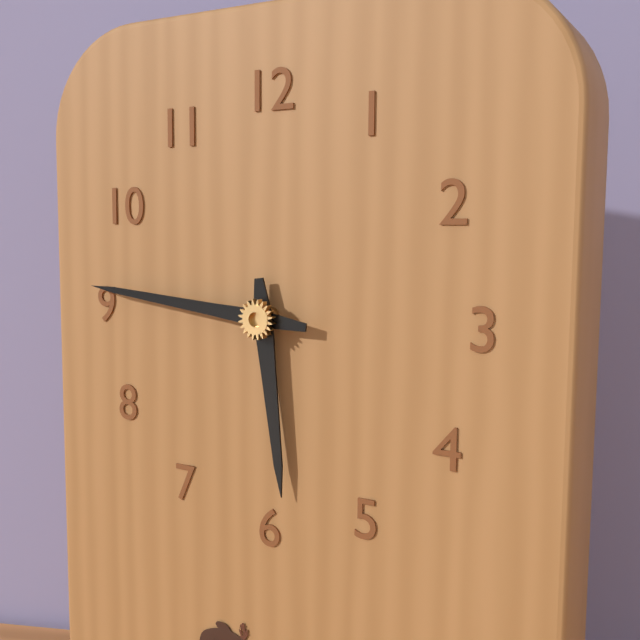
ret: {"hour": 5, "minute": 46}
